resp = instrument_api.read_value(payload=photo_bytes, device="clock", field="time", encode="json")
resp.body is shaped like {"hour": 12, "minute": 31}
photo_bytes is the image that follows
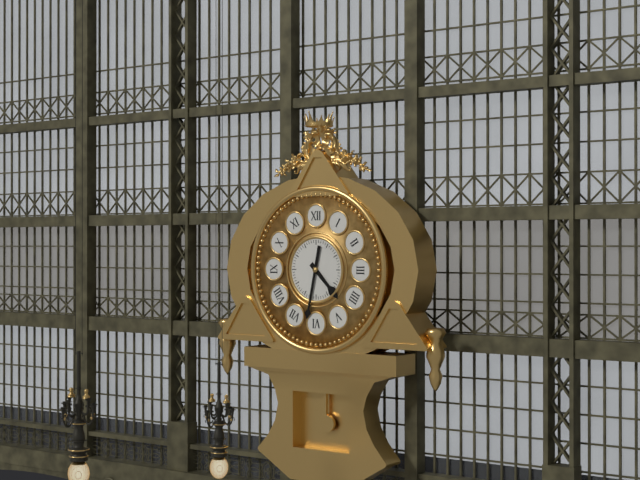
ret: {"hour": 4, "minute": 32}
